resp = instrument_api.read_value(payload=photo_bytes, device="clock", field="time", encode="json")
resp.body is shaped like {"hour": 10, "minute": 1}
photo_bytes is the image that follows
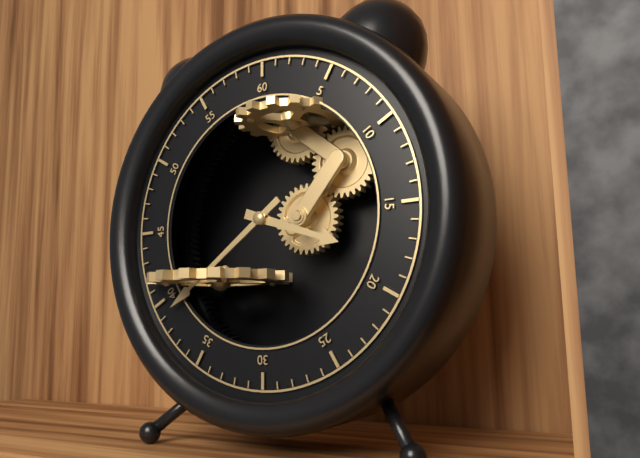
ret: {"hour": 3, "minute": 39}
